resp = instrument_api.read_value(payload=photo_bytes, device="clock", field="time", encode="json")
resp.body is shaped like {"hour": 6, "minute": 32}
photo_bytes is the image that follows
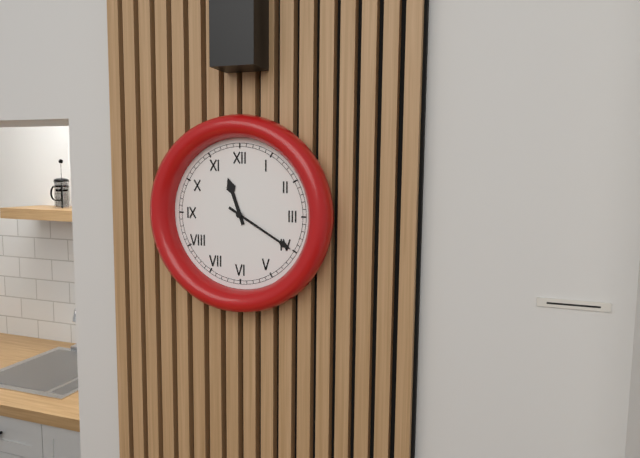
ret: {"hour": 11, "minute": 20}
